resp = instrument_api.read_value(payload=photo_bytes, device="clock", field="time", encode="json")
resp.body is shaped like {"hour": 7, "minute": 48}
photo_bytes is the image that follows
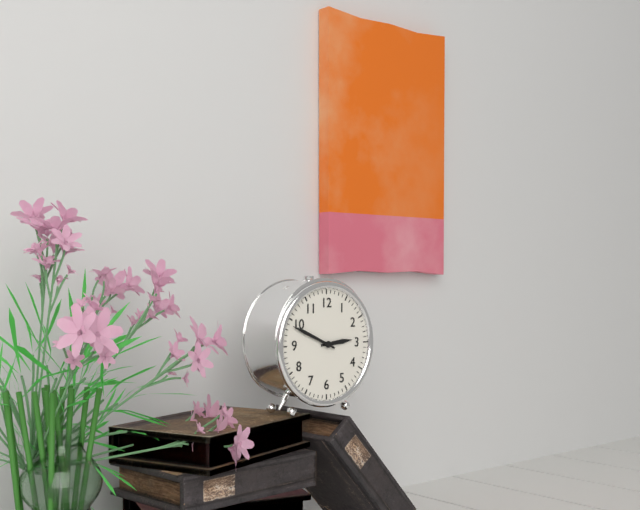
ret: {"hour": 2, "minute": 49}
